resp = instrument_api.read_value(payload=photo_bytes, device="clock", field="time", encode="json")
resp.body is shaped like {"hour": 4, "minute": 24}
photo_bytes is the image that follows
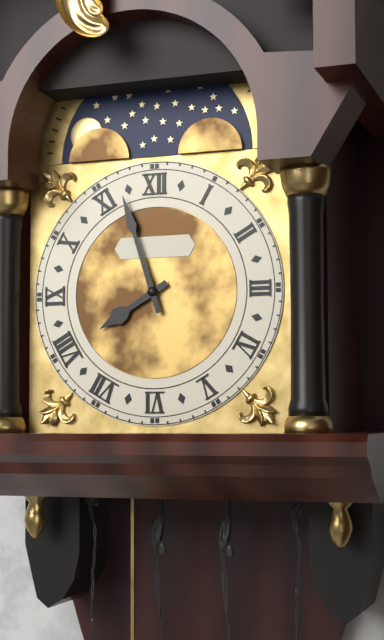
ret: {"hour": 7, "minute": 57}
